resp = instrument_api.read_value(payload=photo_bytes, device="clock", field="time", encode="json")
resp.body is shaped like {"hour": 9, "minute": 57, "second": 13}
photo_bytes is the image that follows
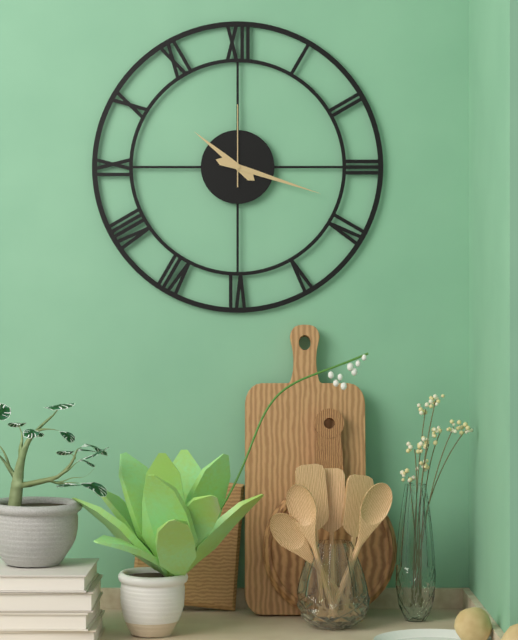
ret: {"hour": 10, "minute": 18, "second": 0}
